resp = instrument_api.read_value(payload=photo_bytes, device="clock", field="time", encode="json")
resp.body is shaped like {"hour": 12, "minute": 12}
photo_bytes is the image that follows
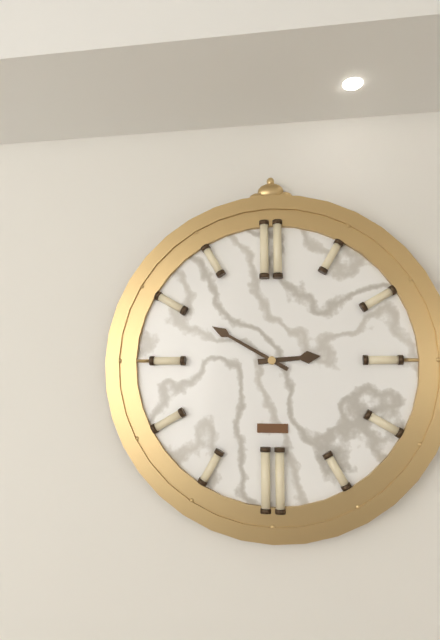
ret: {"hour": 2, "minute": 50}
